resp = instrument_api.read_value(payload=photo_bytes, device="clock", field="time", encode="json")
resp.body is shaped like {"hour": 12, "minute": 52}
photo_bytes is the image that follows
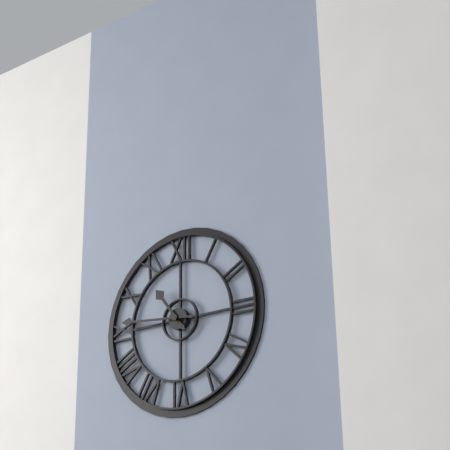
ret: {"hour": 10, "minute": 46}
